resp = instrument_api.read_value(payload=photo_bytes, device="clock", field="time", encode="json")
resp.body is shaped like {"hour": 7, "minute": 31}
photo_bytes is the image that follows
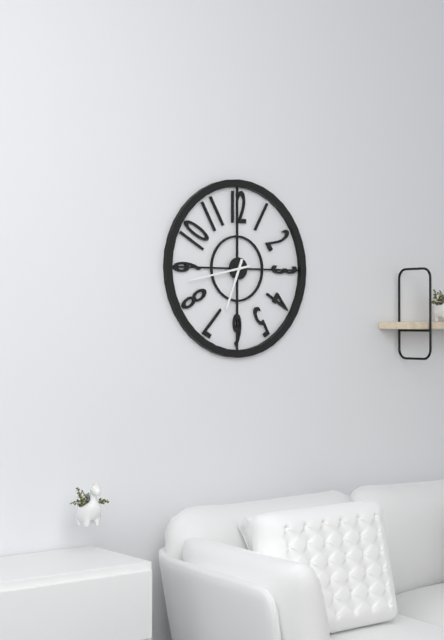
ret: {"hour": 6, "minute": 43}
